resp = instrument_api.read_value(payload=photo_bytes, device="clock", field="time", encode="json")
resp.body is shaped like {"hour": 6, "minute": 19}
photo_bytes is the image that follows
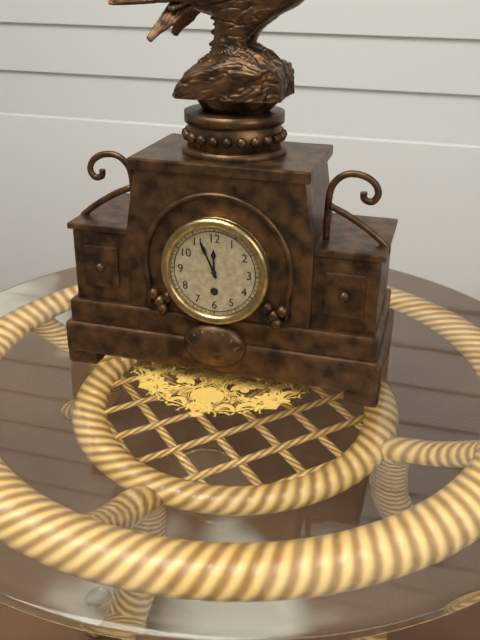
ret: {"hour": 11, "minute": 56}
